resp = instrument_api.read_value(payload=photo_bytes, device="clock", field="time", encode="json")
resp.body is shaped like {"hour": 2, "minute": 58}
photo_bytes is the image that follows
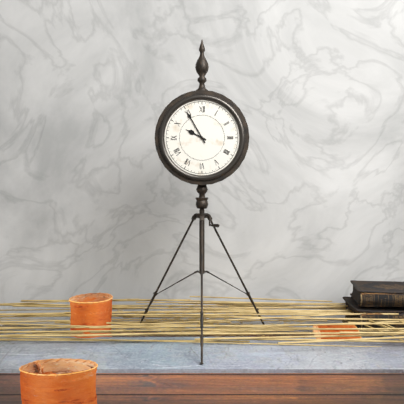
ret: {"hour": 9, "minute": 55}
